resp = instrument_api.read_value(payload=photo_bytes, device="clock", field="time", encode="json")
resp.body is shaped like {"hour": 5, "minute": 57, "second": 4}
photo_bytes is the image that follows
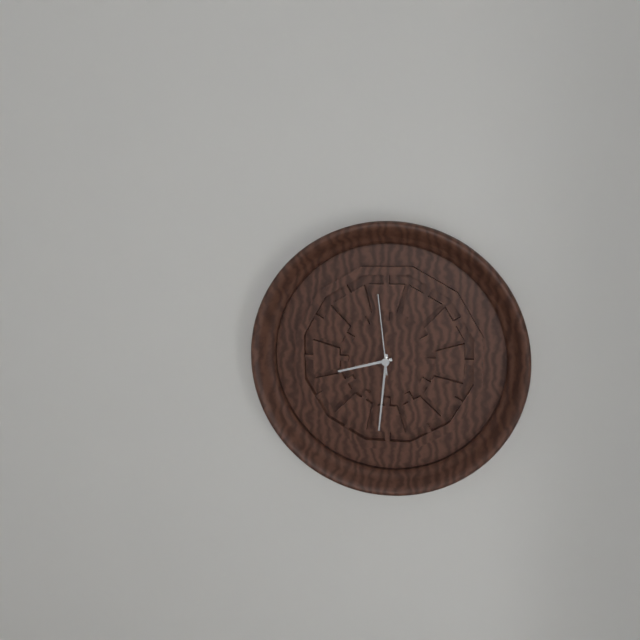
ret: {"hour": 8, "minute": 31, "second": 59}
